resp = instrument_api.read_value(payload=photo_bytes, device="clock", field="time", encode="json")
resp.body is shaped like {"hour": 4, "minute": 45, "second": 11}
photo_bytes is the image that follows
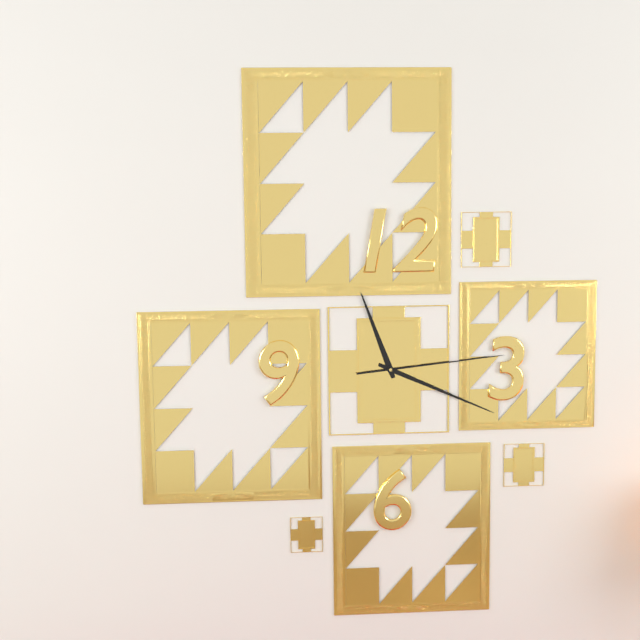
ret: {"hour": 11, "minute": 19, "second": 14}
